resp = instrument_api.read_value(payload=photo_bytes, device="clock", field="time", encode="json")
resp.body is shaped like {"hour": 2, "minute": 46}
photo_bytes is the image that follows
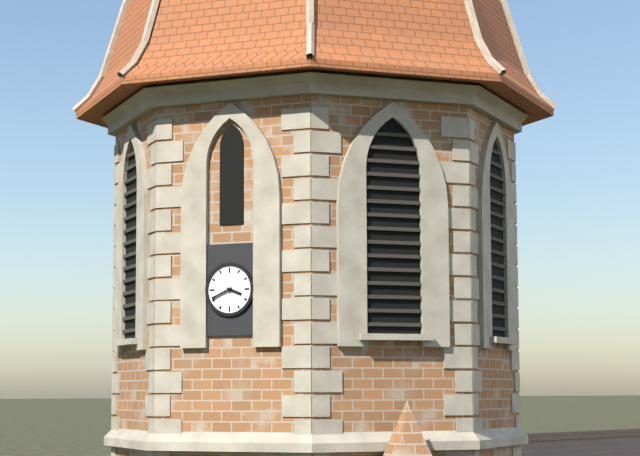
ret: {"hour": 3, "minute": 41}
